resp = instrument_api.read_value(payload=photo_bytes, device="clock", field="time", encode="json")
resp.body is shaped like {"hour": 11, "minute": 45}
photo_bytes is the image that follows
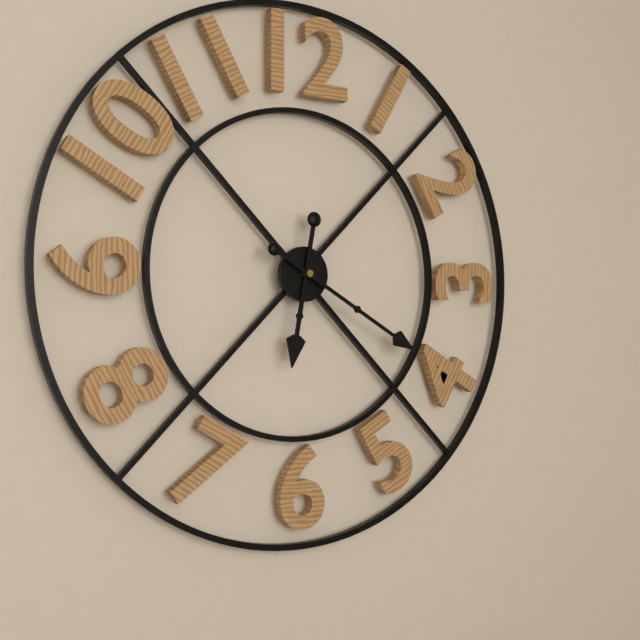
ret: {"hour": 6, "minute": 20}
